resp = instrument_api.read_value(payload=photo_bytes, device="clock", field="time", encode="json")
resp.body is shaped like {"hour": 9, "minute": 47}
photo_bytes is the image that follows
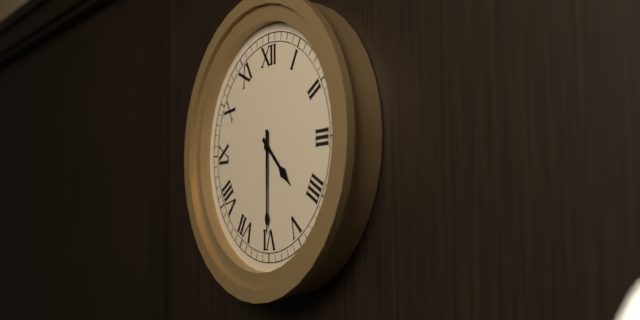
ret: {"hour": 4, "minute": 30}
